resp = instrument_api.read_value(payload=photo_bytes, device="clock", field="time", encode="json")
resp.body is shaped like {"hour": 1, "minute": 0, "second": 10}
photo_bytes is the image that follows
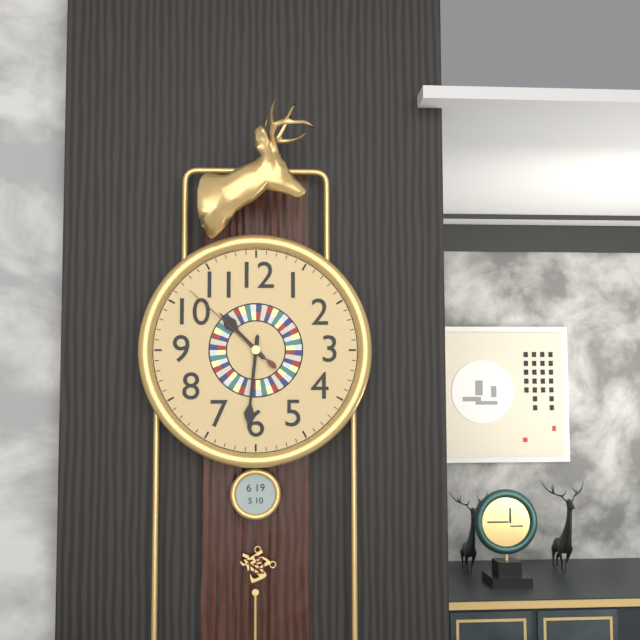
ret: {"hour": 10, "minute": 31, "second": 52}
